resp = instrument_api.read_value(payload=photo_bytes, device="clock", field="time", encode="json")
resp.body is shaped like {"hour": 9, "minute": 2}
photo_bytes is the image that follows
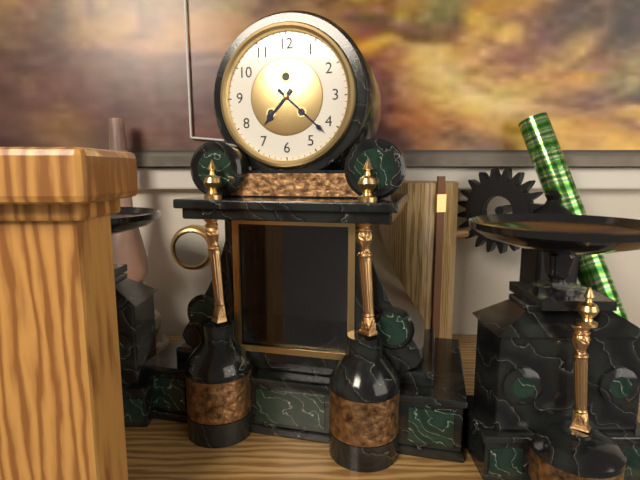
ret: {"hour": 7, "minute": 22}
